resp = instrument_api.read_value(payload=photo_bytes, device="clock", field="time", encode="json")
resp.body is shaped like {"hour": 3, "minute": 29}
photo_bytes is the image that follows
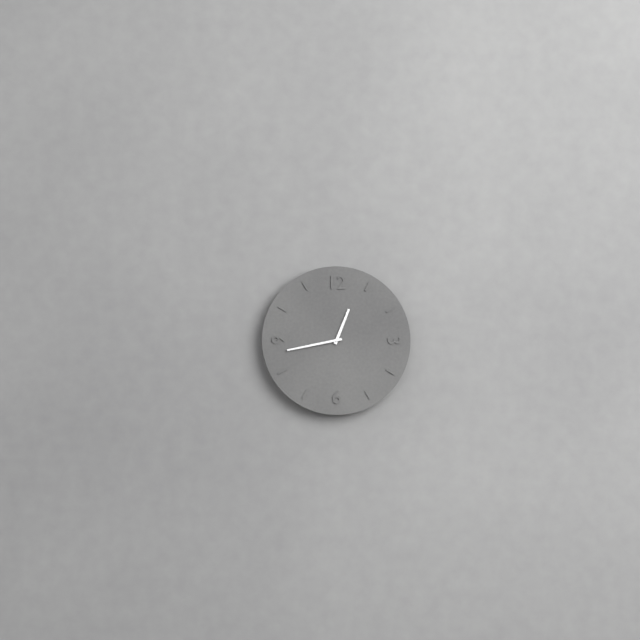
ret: {"hour": 12, "minute": 43}
